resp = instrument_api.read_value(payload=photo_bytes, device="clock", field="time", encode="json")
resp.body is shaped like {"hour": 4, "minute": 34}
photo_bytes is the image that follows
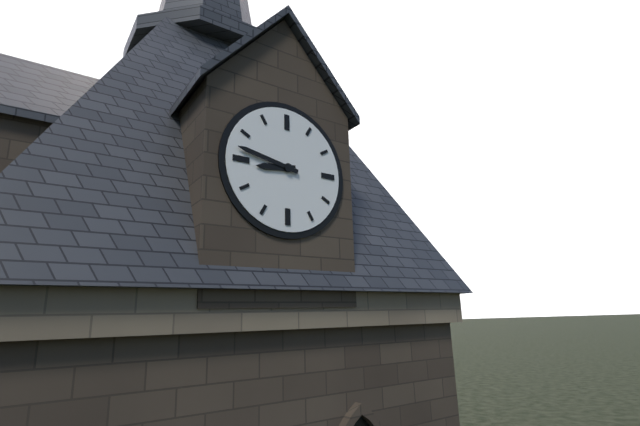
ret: {"hour": 8, "minute": 47}
